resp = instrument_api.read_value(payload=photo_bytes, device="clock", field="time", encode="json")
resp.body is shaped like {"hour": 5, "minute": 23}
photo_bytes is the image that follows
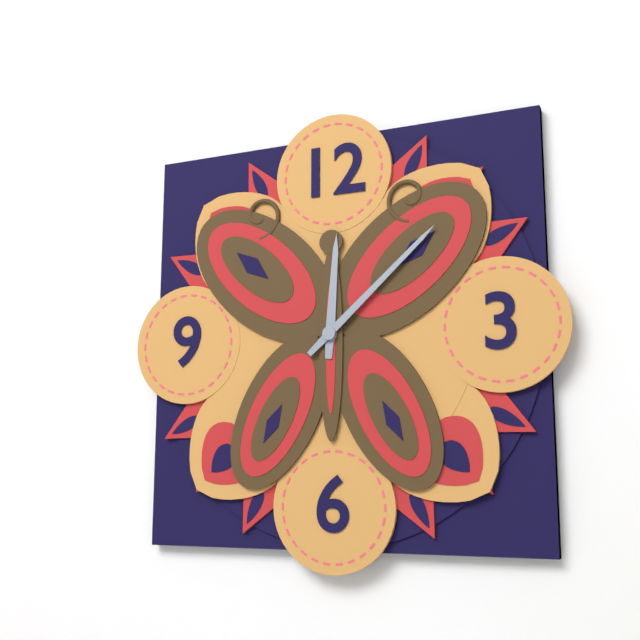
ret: {"hour": 12, "minute": 8}
